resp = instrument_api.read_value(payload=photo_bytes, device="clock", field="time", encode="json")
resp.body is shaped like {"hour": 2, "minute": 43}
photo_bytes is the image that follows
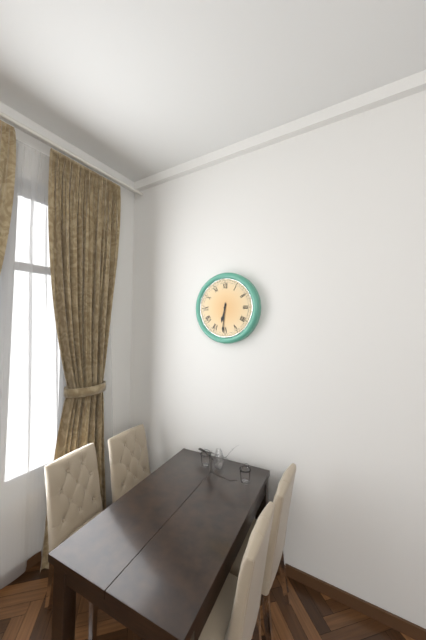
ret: {"hour": 6, "minute": 31}
